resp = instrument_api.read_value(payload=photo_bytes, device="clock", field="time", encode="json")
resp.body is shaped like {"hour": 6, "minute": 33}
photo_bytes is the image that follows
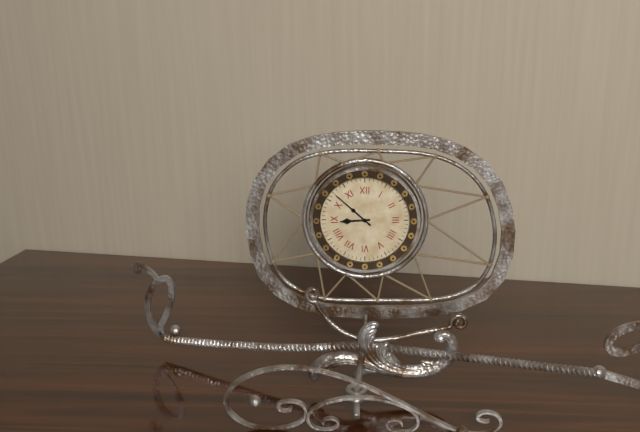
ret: {"hour": 8, "minute": 52}
